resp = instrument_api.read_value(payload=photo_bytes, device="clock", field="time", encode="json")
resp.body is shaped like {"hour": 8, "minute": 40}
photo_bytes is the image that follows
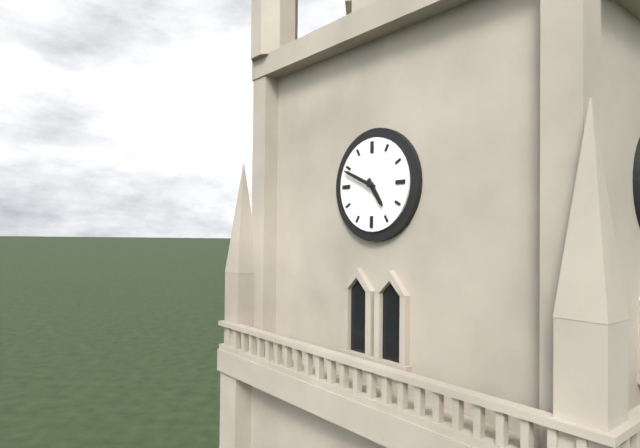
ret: {"hour": 4, "minute": 49}
